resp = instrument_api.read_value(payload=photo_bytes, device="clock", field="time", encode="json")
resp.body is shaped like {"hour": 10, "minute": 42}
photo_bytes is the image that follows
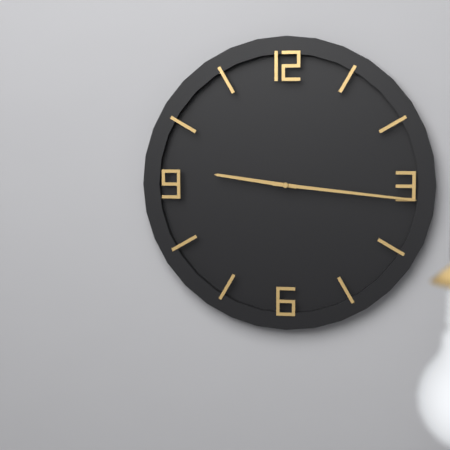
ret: {"hour": 9, "minute": 16}
